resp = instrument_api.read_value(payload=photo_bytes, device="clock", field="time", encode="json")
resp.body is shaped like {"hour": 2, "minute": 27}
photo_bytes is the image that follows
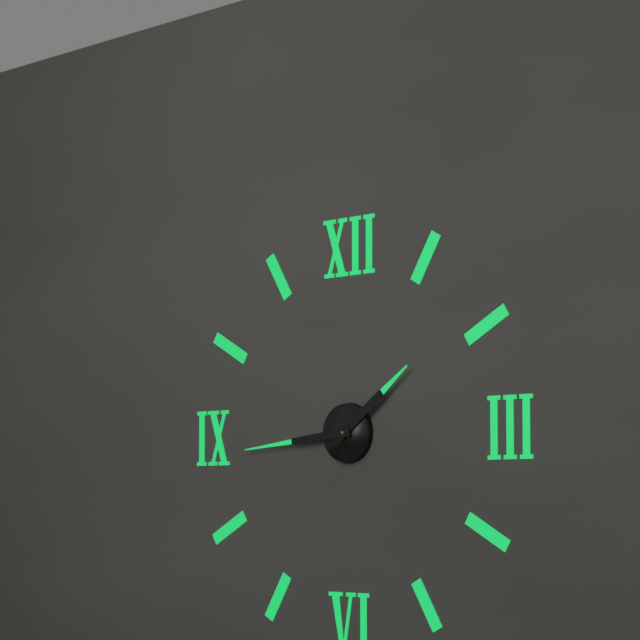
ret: {"hour": 1, "minute": 44}
